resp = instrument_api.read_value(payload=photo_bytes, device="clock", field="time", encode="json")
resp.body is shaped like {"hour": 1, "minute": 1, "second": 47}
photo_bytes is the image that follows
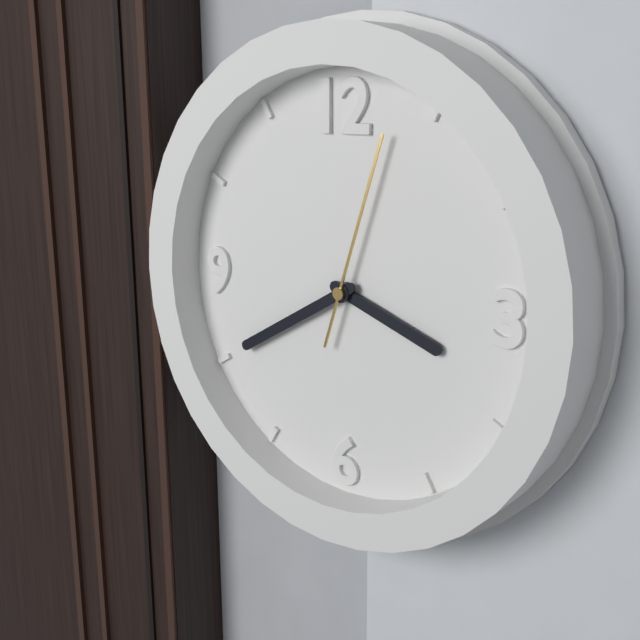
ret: {"hour": 3, "minute": 40, "second": 3}
